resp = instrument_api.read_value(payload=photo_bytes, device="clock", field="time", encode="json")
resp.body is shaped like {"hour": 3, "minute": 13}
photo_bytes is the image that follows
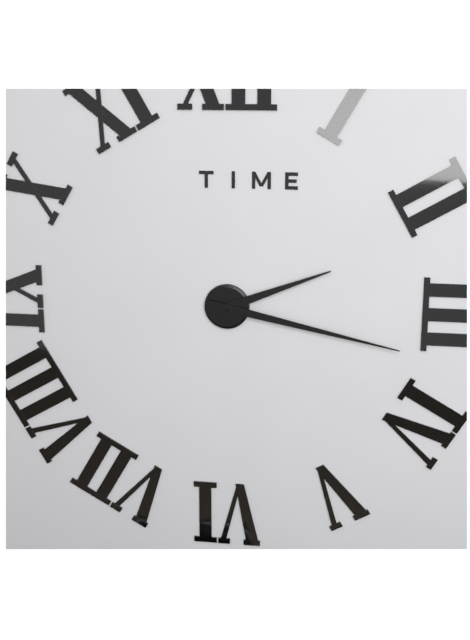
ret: {"hour": 2, "minute": 17}
